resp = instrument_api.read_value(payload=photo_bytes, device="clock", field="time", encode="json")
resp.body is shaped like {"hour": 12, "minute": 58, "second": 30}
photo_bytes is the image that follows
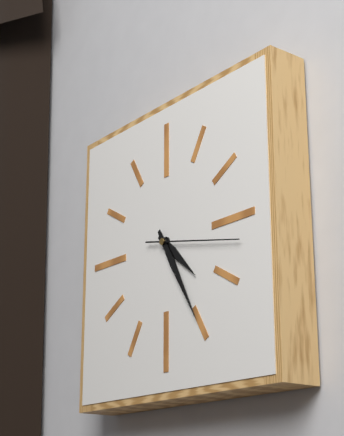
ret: {"hour": 4, "minute": 25, "second": 17}
